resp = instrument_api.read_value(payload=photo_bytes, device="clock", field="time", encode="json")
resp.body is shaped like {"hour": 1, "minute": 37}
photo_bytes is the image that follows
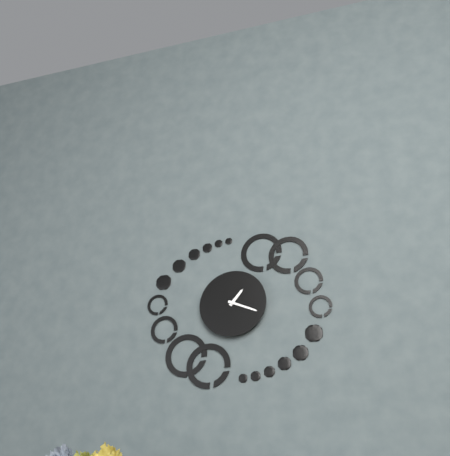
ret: {"hour": 1, "minute": 19}
